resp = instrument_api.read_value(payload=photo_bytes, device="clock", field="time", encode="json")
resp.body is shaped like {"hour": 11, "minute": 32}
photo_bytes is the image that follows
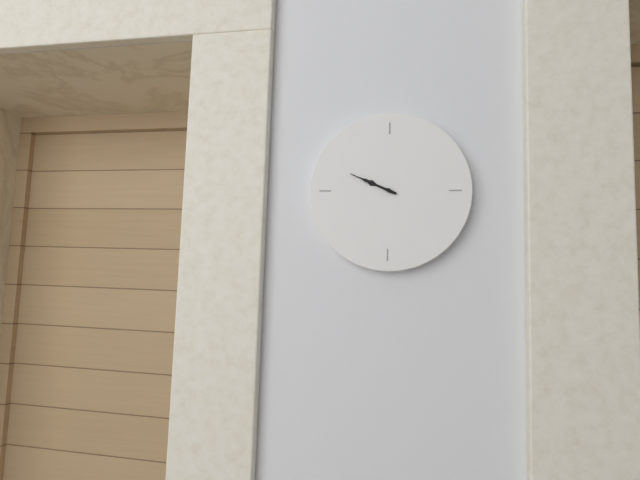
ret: {"hour": 9, "minute": 49}
